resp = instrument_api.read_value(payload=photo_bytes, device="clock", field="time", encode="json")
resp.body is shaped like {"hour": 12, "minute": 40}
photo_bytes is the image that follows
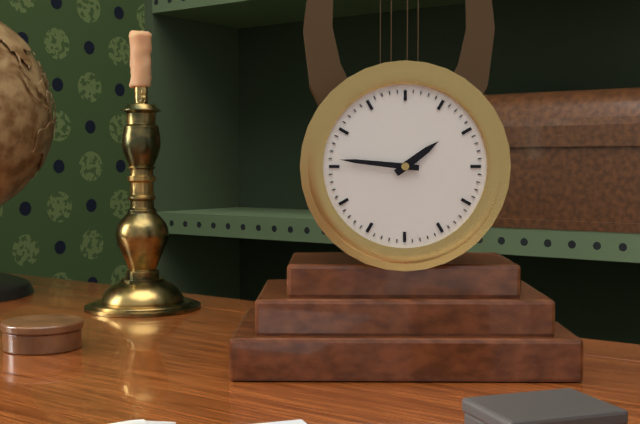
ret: {"hour": 1, "minute": 46}
